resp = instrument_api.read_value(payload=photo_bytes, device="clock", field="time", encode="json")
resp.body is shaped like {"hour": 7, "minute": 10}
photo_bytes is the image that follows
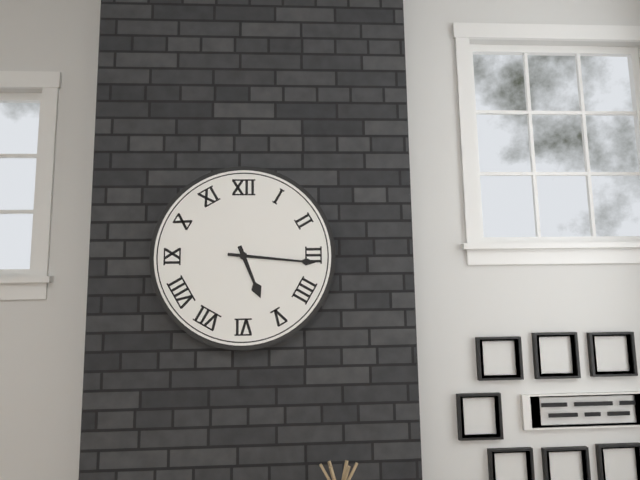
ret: {"hour": 5, "minute": 16}
